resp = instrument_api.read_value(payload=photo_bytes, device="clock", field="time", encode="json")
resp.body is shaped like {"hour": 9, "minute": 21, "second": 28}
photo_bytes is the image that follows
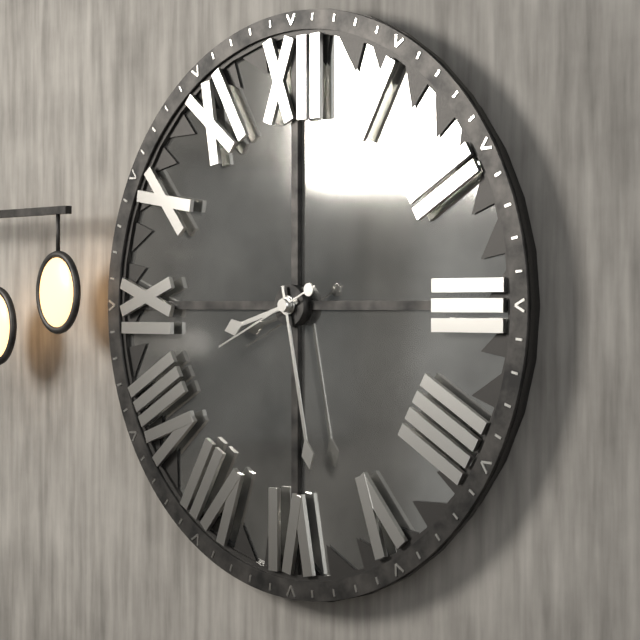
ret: {"hour": 8, "minute": 28, "second": 41}
